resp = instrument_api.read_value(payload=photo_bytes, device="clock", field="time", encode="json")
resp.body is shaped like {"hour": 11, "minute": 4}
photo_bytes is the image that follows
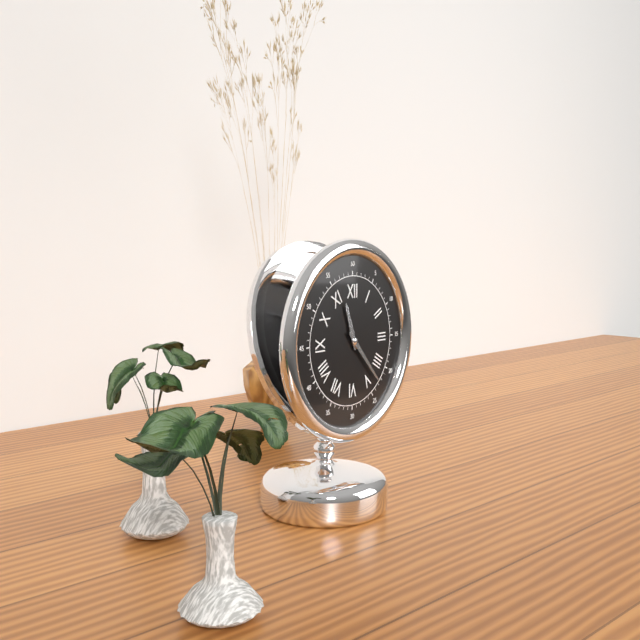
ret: {"hour": 11, "minute": 23}
